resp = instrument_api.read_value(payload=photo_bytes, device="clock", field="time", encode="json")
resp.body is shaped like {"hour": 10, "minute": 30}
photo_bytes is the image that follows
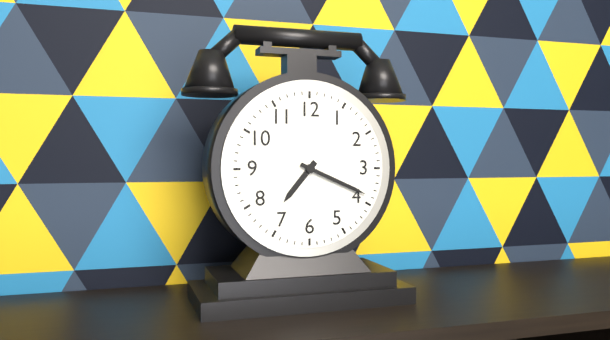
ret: {"hour": 7, "minute": 19}
